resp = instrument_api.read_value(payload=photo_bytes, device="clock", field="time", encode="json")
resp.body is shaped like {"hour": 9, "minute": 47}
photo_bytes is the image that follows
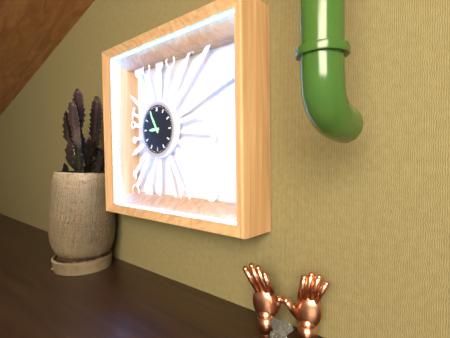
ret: {"hour": 8, "minute": 55}
